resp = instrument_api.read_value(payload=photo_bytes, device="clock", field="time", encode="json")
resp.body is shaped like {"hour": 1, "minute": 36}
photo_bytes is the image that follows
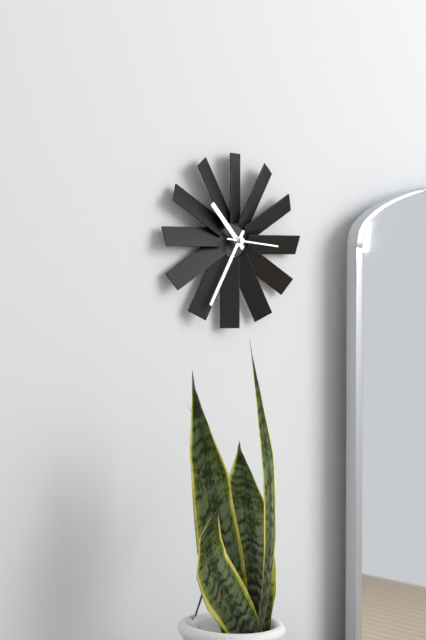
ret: {"hour": 10, "minute": 35}
